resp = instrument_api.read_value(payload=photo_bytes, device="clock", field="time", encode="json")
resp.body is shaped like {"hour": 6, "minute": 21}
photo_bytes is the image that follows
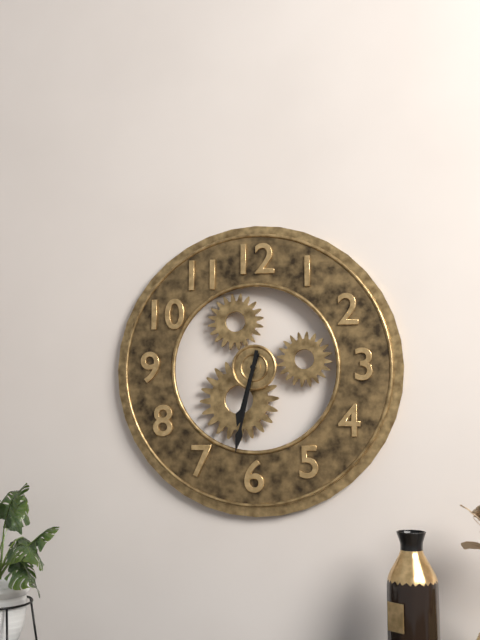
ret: {"hour": 6, "minute": 32}
